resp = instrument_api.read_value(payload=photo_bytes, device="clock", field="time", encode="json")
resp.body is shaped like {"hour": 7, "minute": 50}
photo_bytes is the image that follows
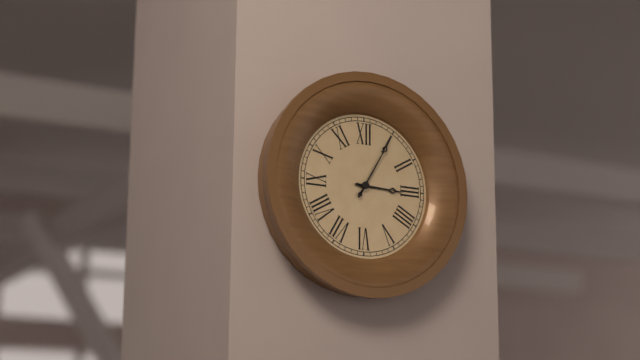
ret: {"hour": 3, "minute": 5}
